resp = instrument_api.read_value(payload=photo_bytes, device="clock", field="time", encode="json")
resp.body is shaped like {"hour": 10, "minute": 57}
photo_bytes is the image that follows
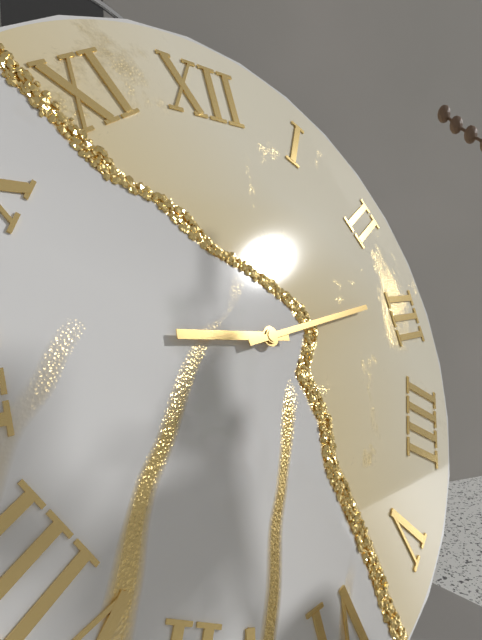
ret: {"hour": 9, "minute": 14}
